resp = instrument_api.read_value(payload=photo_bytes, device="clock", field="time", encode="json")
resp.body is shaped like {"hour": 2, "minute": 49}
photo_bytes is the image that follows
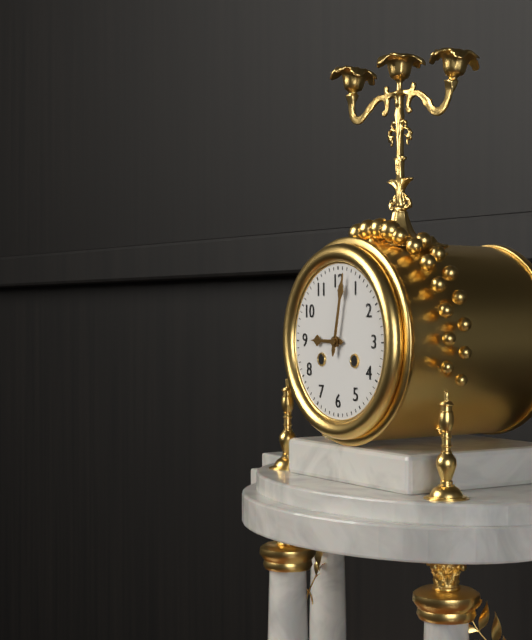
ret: {"hour": 9, "minute": 2}
